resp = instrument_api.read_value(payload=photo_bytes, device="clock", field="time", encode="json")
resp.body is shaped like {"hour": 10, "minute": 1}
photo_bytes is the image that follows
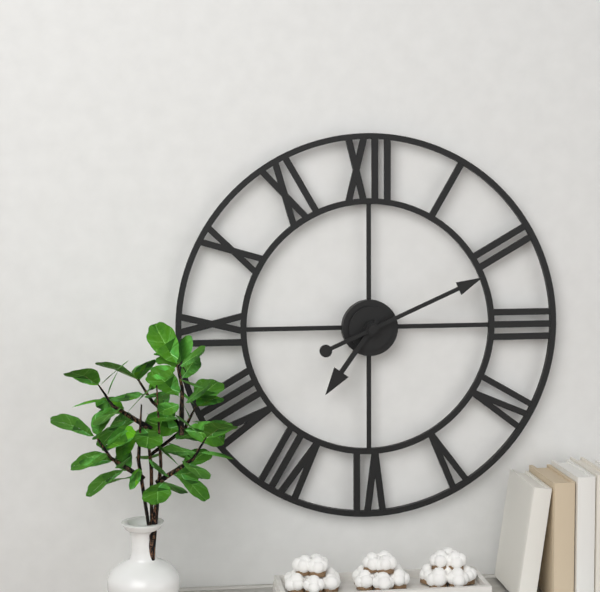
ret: {"hour": 7, "minute": 11}
